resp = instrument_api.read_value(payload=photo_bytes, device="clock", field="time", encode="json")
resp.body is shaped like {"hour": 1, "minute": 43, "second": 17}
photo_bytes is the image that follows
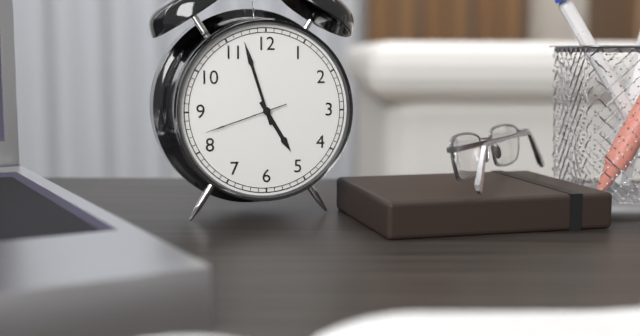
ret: {"hour": 4, "minute": 57, "second": 42}
